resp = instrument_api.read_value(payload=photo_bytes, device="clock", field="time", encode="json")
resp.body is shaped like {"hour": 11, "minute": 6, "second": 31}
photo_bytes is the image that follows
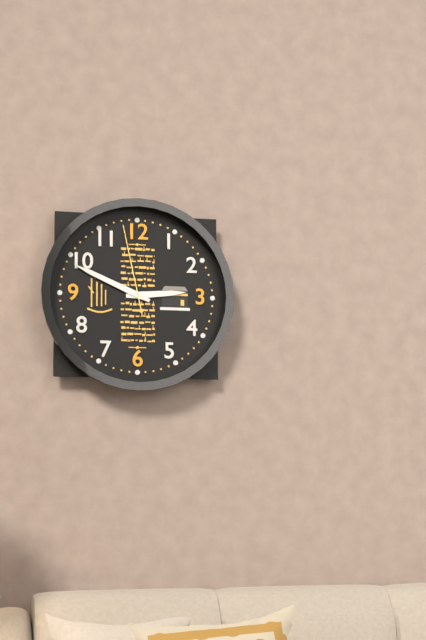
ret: {"hour": 2, "minute": 49, "second": 58}
